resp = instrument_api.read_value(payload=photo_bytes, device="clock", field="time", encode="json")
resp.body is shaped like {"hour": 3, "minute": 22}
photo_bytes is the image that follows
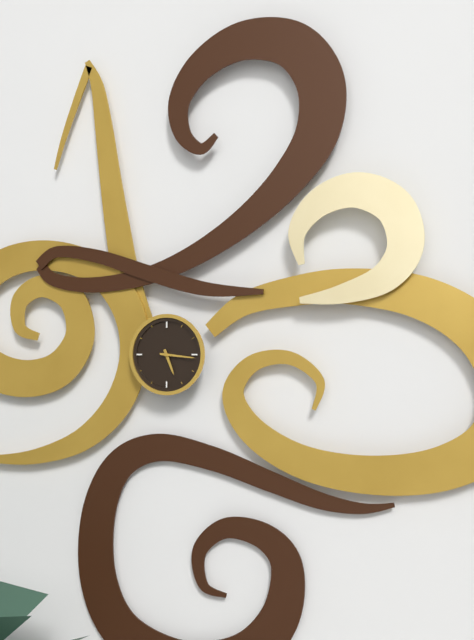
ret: {"hour": 5, "minute": 16}
